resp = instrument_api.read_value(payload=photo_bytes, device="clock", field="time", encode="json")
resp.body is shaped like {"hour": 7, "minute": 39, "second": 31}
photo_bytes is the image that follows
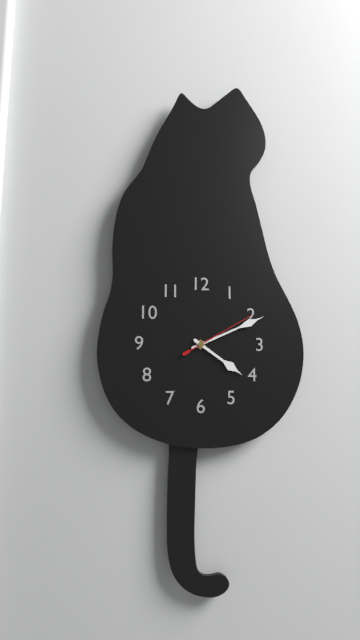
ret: {"hour": 4, "minute": 11, "second": 10}
